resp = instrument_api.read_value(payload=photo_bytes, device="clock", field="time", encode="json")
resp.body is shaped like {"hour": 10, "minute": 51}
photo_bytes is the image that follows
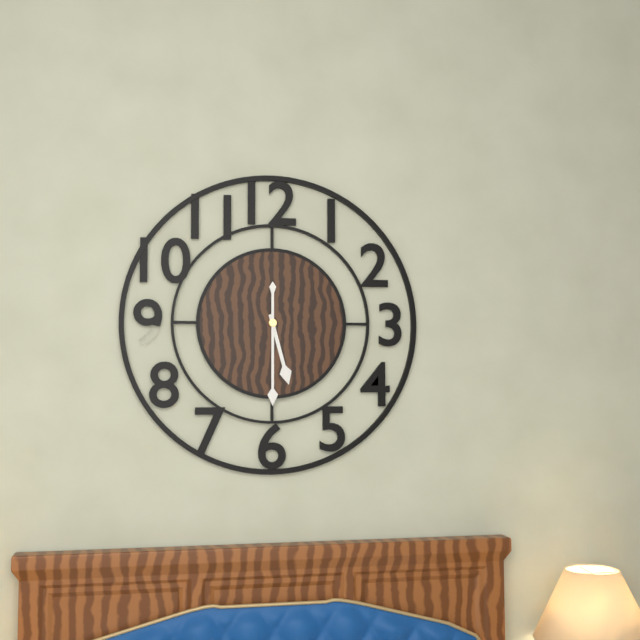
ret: {"hour": 5, "minute": 30}
